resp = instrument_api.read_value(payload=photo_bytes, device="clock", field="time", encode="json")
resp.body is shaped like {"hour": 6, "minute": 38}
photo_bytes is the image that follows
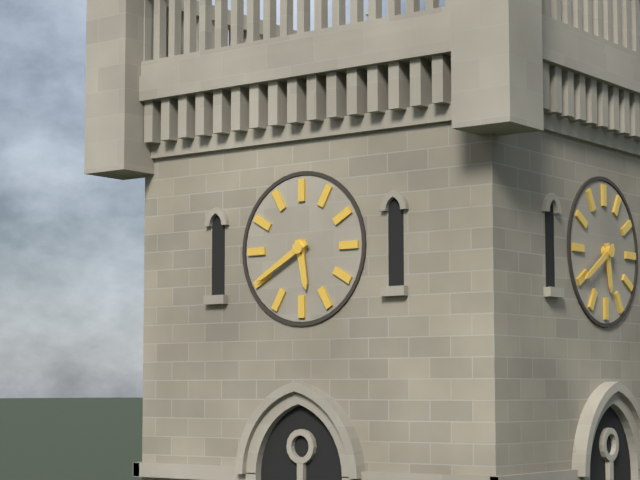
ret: {"hour": 5, "minute": 40}
